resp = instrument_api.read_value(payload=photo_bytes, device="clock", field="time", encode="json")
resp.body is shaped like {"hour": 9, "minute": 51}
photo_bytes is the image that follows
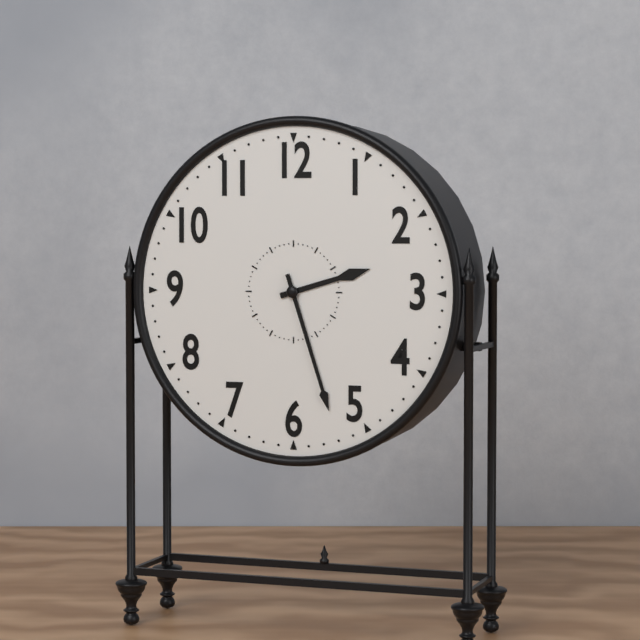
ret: {"hour": 2, "minute": 27}
